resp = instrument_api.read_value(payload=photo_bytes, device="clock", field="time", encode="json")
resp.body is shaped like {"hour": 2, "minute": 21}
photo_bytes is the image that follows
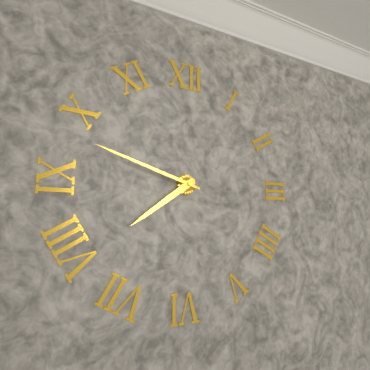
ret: {"hour": 7, "minute": 48}
